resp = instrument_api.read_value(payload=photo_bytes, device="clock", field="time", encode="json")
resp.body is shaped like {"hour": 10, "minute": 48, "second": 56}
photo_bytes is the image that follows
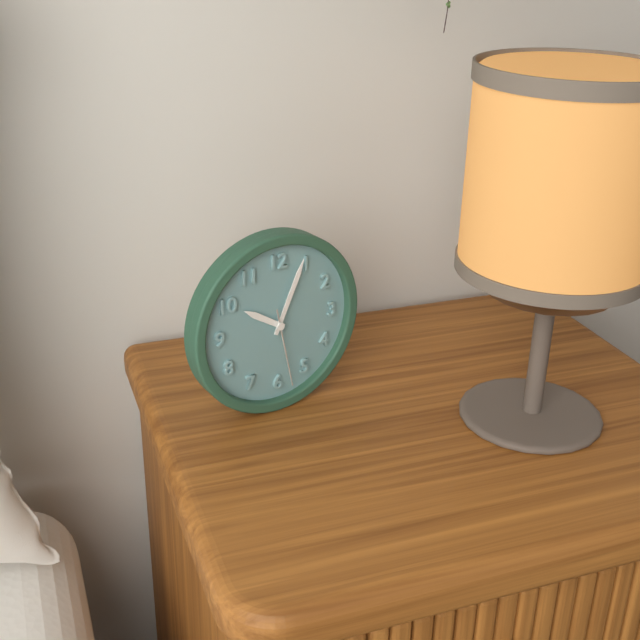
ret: {"hour": 10, "minute": 4, "second": 28}
